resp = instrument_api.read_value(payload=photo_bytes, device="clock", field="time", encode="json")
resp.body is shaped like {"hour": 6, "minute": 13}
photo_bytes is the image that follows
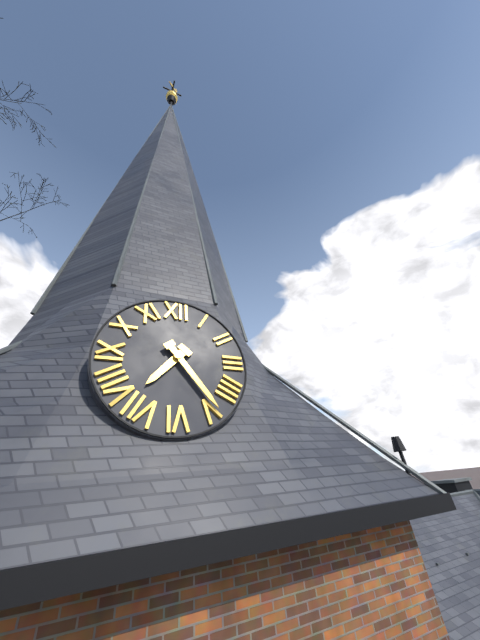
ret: {"hour": 7, "minute": 24}
